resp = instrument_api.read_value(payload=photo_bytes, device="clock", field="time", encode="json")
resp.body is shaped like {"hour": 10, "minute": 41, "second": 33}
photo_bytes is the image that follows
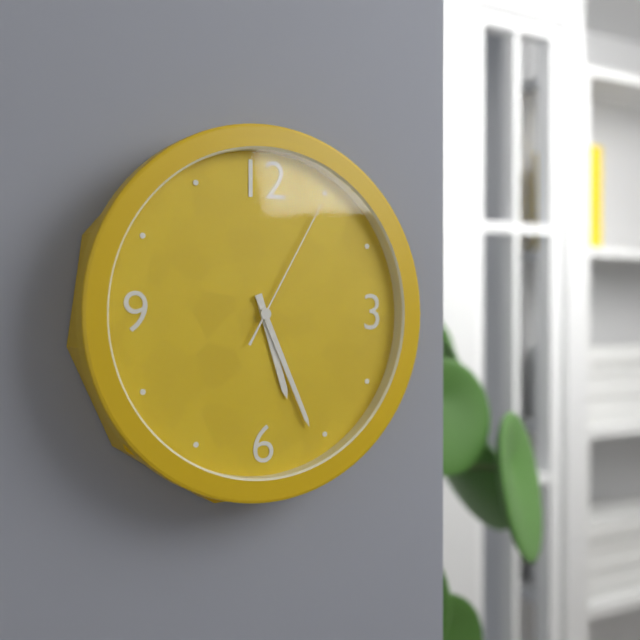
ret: {"hour": 5, "minute": 26, "second": 5}
